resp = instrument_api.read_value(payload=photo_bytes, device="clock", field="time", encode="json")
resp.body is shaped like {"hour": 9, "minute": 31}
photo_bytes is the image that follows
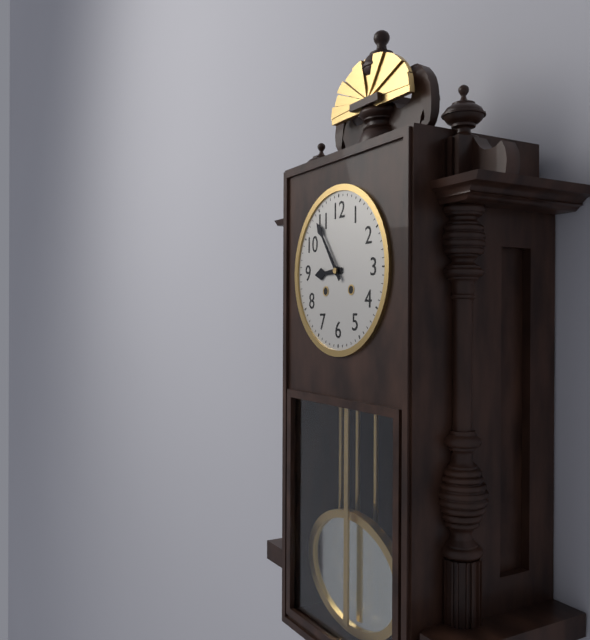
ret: {"hour": 8, "minute": 54}
